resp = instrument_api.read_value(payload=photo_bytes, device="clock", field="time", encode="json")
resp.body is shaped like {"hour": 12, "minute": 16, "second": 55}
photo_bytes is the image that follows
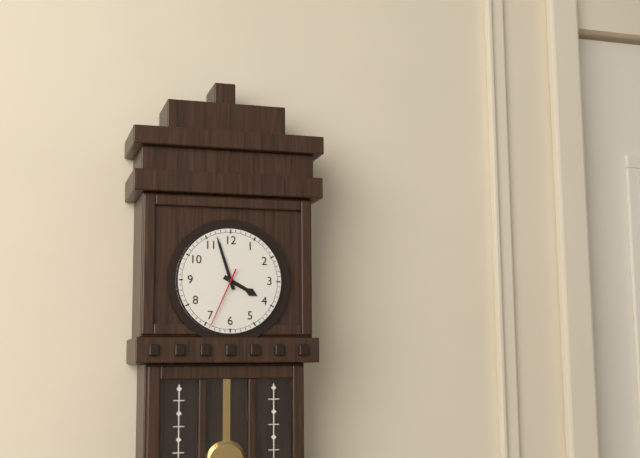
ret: {"hour": 3, "minute": 57, "second": 34}
